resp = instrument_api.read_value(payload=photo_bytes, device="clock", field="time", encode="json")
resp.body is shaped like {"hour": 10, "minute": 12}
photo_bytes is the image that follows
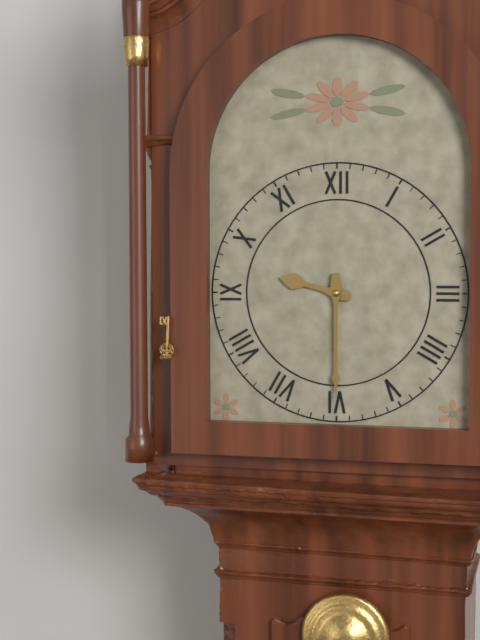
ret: {"hour": 9, "minute": 30}
